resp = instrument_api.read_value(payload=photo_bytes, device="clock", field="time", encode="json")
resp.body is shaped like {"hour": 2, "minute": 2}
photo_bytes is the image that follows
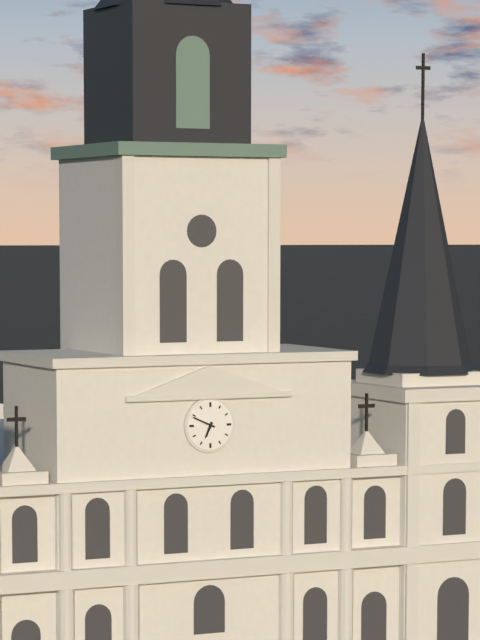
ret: {"hour": 6, "minute": 49}
